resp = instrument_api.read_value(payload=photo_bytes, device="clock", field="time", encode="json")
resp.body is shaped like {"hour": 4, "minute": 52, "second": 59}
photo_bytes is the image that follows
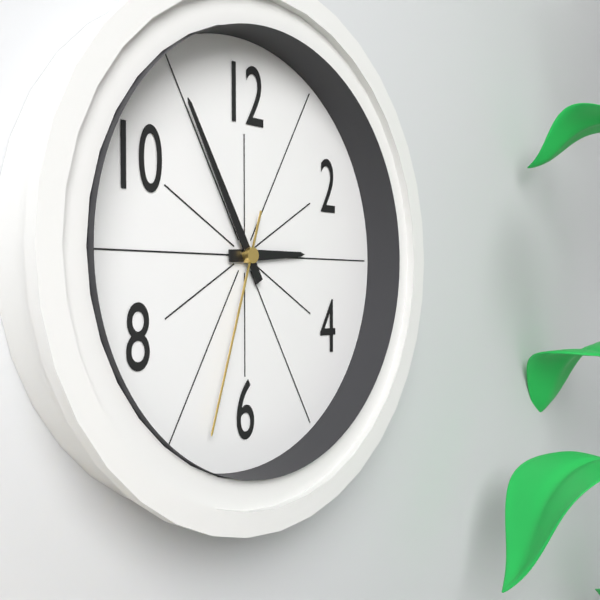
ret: {"hour": 2, "minute": 55, "second": 33}
